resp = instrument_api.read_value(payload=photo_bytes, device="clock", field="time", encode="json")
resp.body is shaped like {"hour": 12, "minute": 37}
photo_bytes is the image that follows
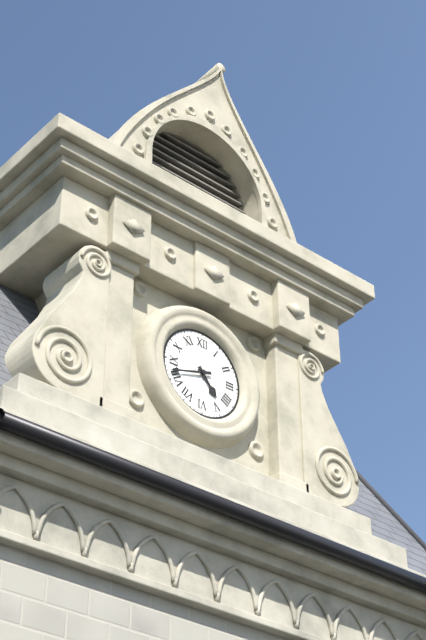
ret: {"hour": 4, "minute": 42}
